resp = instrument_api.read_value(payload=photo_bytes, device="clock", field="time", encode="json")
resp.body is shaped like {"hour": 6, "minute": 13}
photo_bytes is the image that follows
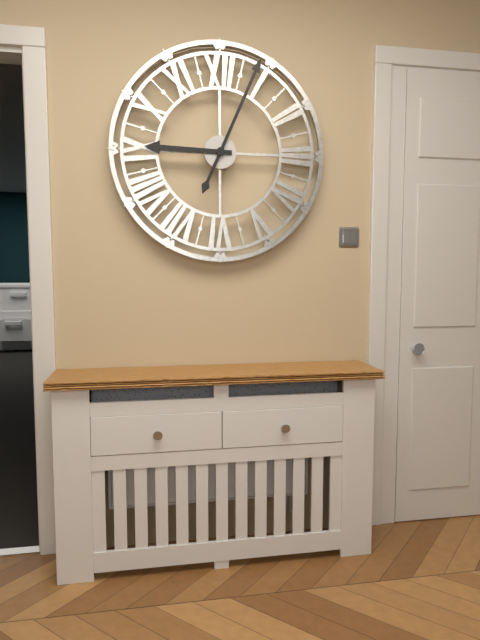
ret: {"hour": 9, "minute": 4}
